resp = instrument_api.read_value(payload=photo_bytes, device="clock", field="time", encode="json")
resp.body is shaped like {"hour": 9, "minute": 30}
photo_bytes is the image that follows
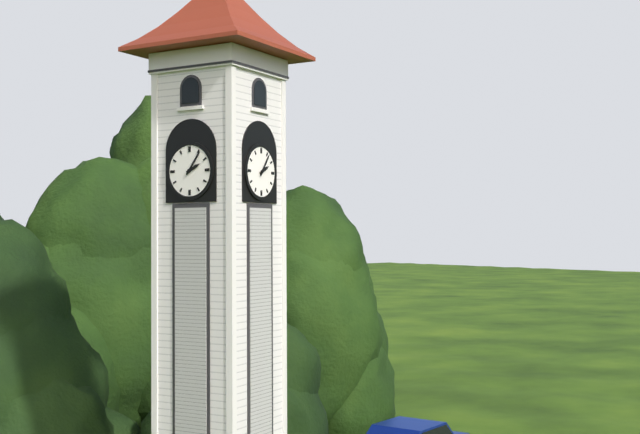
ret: {"hour": 2, "minute": 6}
